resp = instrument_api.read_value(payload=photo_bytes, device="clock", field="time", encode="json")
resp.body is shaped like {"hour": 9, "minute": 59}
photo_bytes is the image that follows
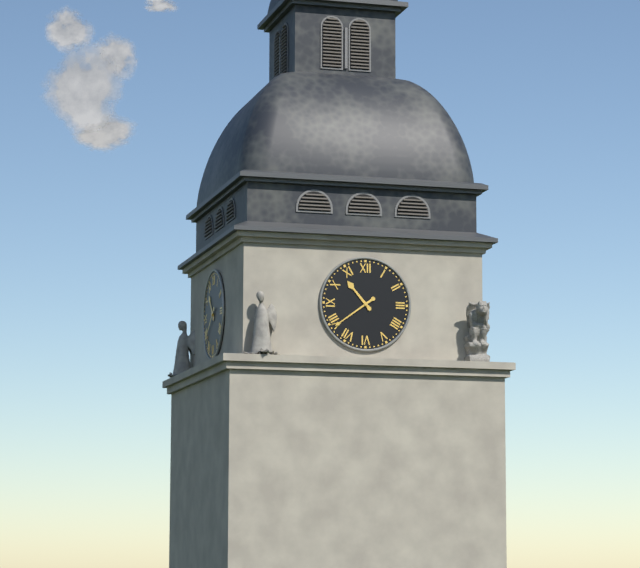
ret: {"hour": 10, "minute": 39}
